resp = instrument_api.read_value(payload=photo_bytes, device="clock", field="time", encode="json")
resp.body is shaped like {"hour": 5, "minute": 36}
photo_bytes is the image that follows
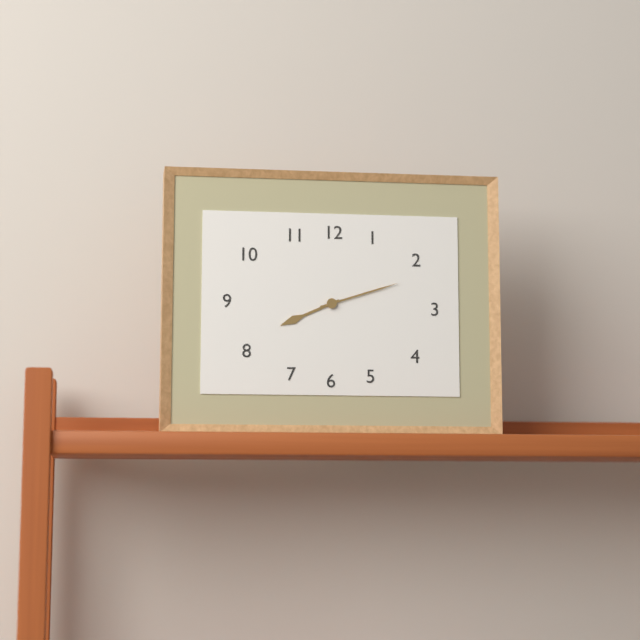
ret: {"hour": 8, "minute": 12}
